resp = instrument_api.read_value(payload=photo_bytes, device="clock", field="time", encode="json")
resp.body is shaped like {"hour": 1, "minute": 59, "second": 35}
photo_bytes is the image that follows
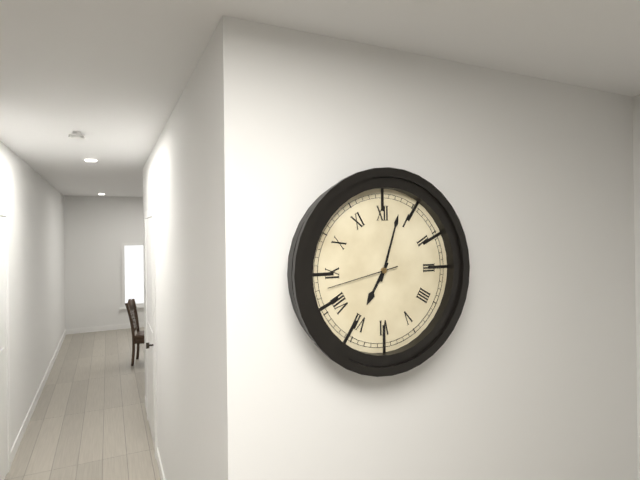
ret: {"hour": 7, "minute": 3, "second": 43}
